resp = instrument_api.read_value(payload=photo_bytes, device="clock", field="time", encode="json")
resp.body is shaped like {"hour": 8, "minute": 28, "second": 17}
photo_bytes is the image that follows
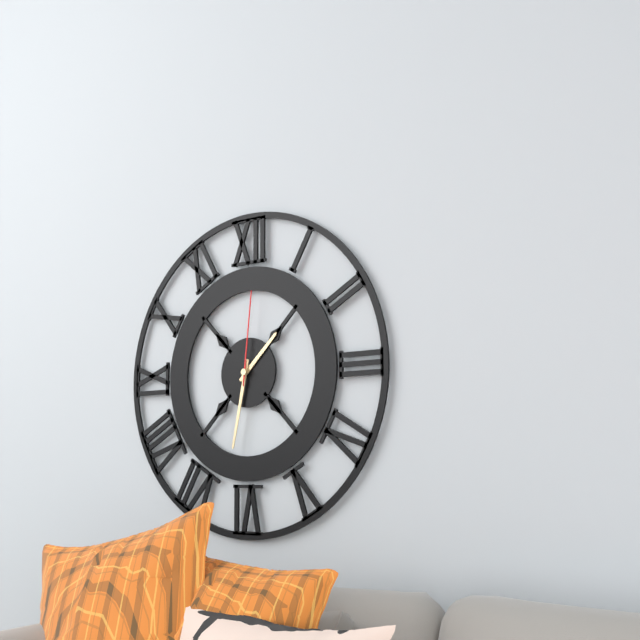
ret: {"hour": 1, "minute": 32, "second": 1}
